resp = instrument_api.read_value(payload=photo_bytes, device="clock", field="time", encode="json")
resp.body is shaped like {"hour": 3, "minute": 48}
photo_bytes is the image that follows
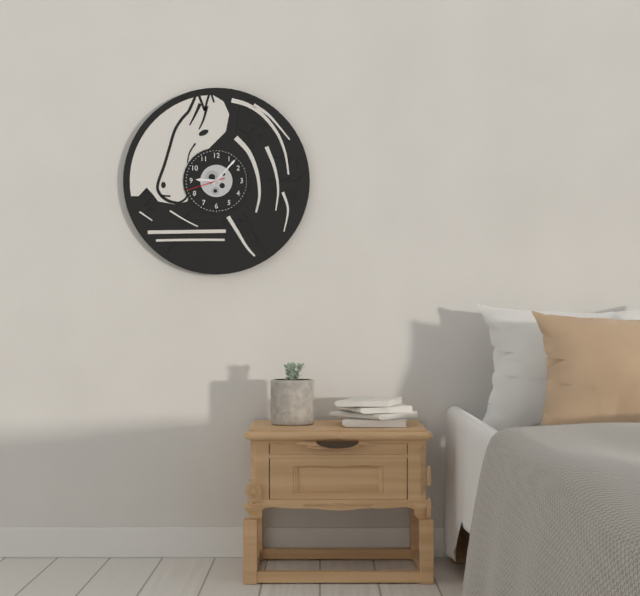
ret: {"hour": 9, "minute": 7}
